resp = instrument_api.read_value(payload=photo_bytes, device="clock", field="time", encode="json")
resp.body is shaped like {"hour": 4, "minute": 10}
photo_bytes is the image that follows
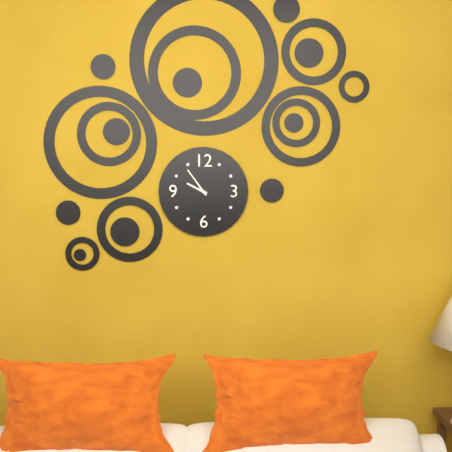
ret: {"hour": 9, "minute": 54}
